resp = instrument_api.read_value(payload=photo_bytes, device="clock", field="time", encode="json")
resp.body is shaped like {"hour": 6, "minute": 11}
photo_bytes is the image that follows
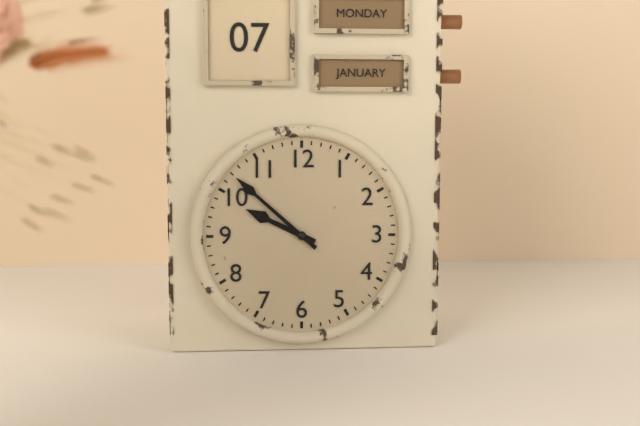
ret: {"hour": 9, "minute": 52}
